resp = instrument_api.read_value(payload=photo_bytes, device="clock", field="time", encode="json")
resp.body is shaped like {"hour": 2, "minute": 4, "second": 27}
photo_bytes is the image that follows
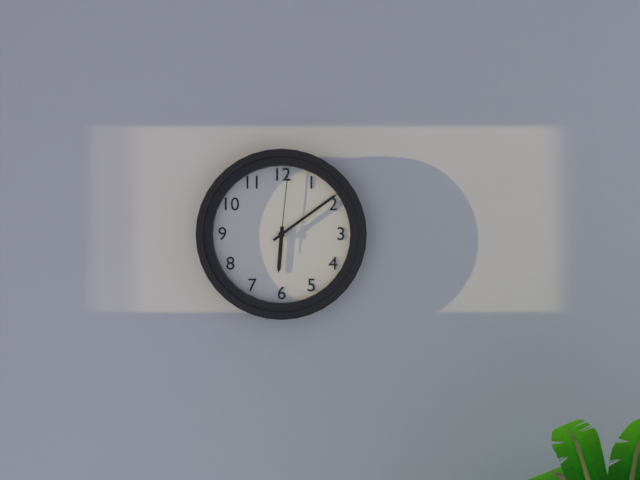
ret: {"hour": 6, "minute": 9, "second": 1}
